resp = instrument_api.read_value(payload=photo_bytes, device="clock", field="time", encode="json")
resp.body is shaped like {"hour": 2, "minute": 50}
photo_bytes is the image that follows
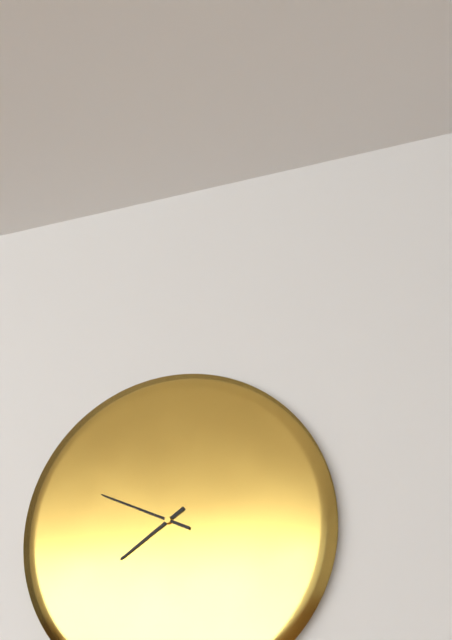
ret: {"hour": 7, "minute": 49}
